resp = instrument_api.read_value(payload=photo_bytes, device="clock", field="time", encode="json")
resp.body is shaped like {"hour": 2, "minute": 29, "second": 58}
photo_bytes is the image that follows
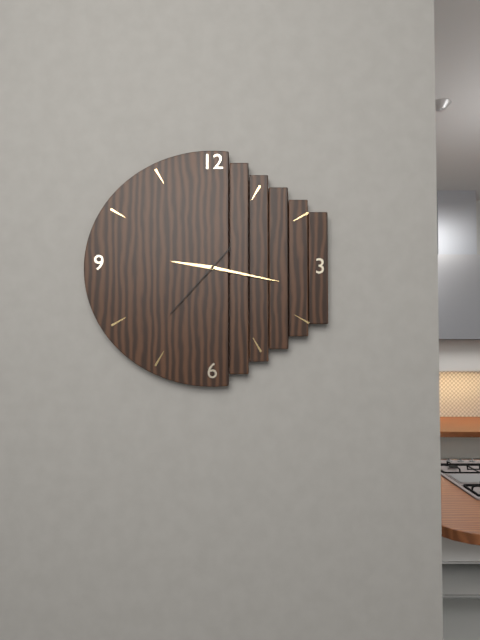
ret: {"hour": 9, "minute": 17, "second": 37}
